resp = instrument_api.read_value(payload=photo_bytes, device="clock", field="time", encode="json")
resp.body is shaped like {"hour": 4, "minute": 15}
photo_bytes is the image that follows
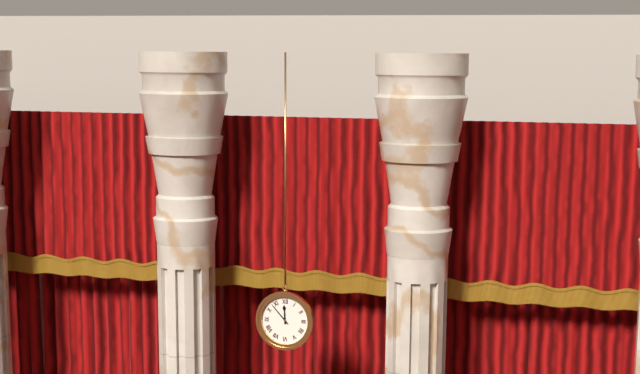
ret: {"hour": 11, "minute": 53}
